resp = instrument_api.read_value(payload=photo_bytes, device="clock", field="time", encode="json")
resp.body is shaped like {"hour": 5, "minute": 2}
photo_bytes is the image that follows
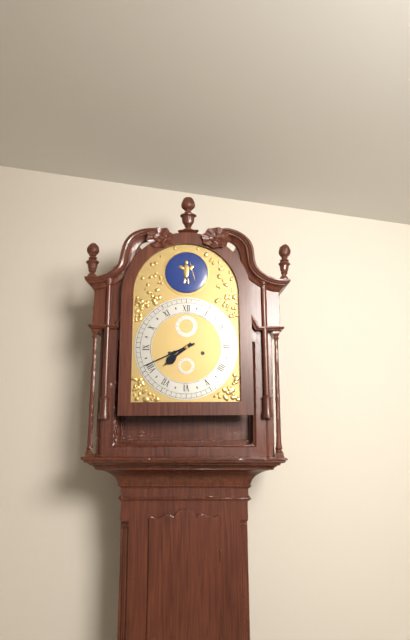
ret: {"hour": 7, "minute": 41}
